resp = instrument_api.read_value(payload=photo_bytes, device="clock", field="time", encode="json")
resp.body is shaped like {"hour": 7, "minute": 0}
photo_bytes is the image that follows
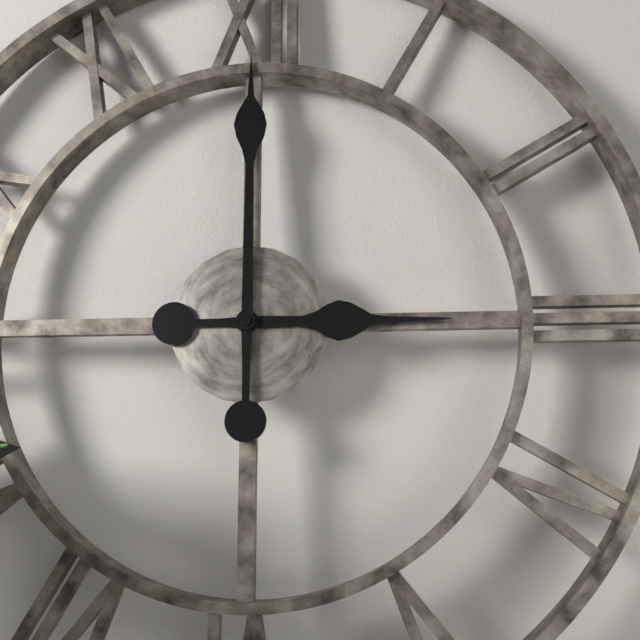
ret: {"hour": 3, "minute": 0}
